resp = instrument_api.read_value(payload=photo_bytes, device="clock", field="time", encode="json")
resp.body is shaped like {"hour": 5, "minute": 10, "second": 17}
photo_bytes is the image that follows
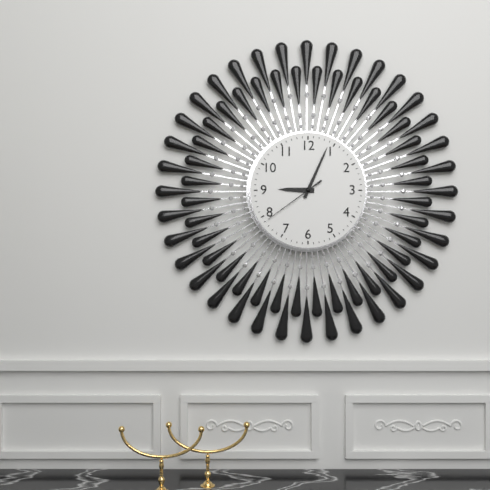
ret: {"hour": 9, "minute": 4, "second": 39}
